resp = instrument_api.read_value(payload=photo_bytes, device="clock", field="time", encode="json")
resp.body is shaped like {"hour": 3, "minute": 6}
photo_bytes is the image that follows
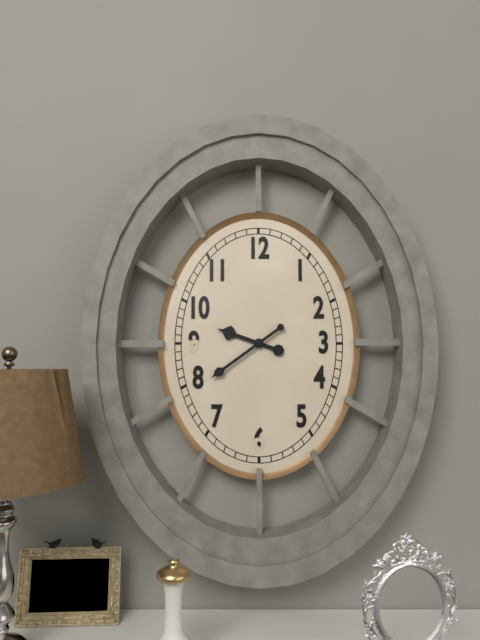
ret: {"hour": 9, "minute": 39}
